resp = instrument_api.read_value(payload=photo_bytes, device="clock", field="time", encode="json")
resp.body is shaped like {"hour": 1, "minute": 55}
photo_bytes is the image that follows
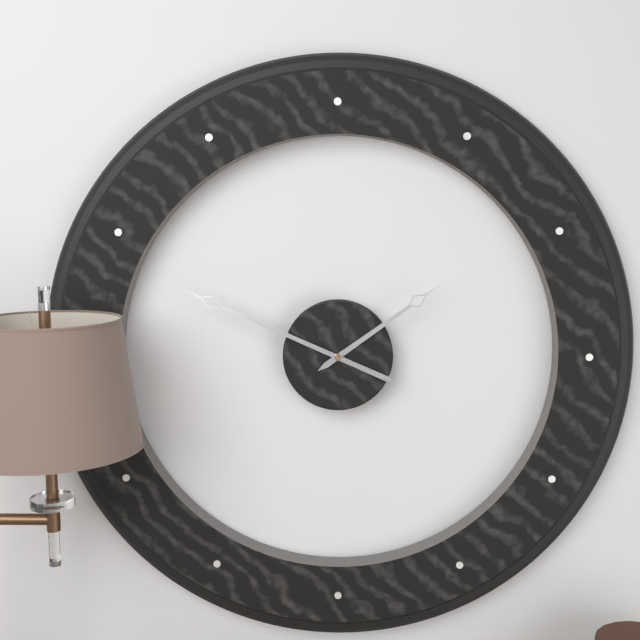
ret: {"hour": 1, "minute": 49}
